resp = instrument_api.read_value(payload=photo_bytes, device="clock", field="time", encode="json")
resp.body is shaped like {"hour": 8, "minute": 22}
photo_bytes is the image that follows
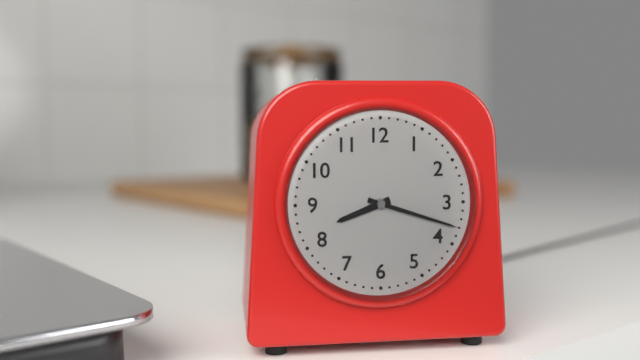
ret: {"hour": 8, "minute": 18}
